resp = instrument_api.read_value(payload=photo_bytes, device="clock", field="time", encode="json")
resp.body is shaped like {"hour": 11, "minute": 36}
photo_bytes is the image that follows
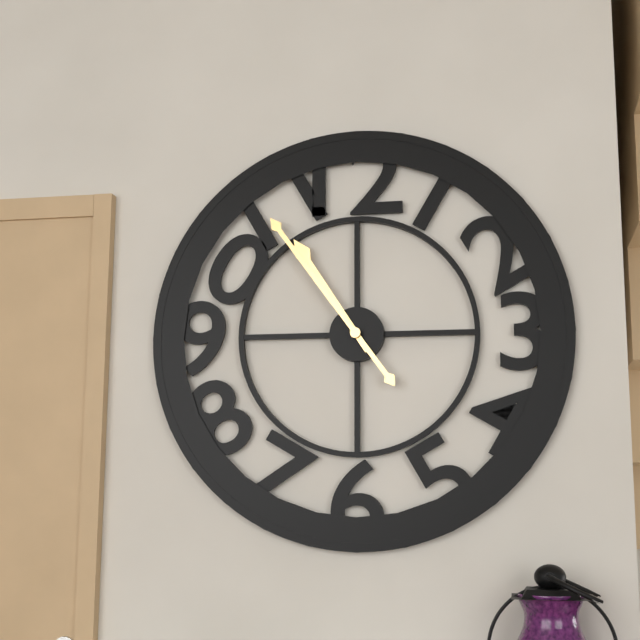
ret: {"hour": 10, "minute": 54}
